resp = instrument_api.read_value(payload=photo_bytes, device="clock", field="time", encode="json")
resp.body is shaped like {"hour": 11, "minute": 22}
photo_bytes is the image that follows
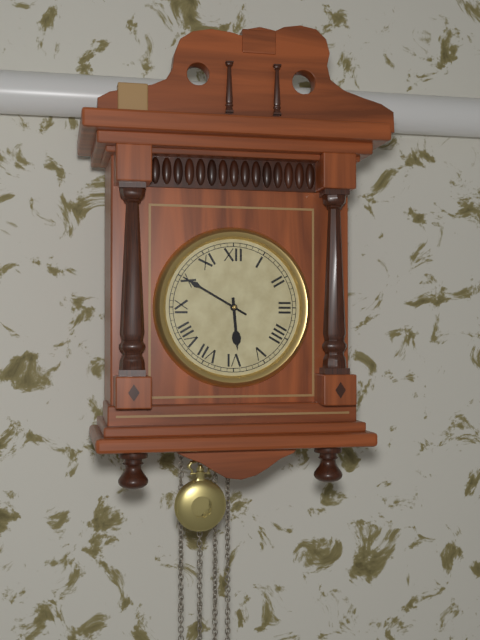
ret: {"hour": 5, "minute": 50}
